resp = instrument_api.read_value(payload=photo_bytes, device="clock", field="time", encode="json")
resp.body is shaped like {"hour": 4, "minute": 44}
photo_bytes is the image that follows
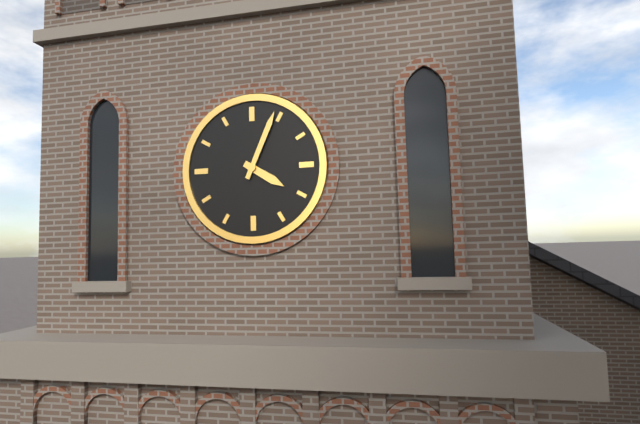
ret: {"hour": 4, "minute": 4}
